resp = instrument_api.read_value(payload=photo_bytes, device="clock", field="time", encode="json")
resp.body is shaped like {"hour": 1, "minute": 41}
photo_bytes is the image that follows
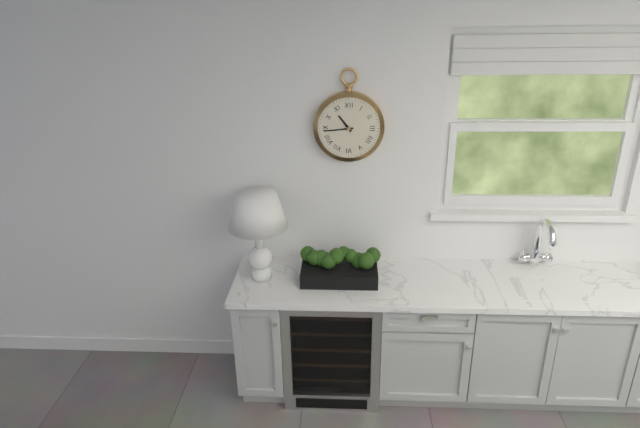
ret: {"hour": 10, "minute": 44}
